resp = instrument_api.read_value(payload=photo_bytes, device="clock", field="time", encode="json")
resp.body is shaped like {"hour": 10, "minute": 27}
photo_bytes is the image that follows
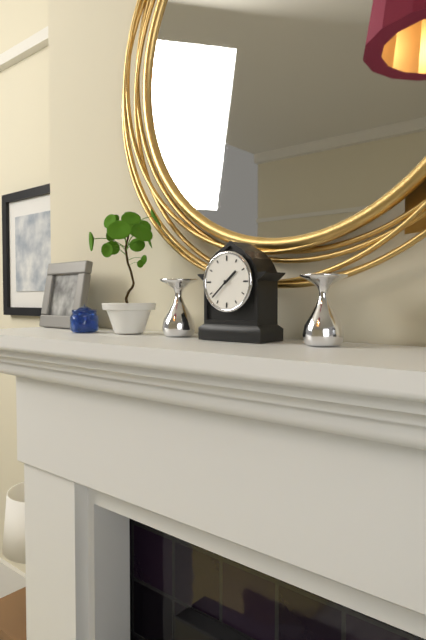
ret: {"hour": 1, "minute": 38}
